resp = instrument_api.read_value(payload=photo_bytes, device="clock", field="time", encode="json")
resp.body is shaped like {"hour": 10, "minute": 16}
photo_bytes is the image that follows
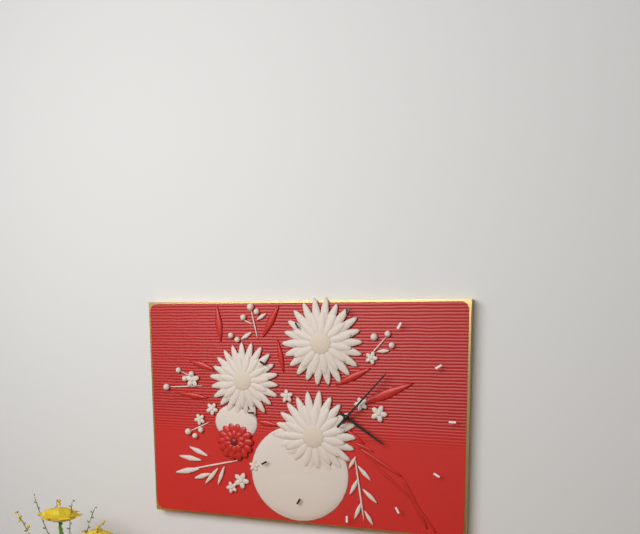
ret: {"hour": 4, "minute": 7}
